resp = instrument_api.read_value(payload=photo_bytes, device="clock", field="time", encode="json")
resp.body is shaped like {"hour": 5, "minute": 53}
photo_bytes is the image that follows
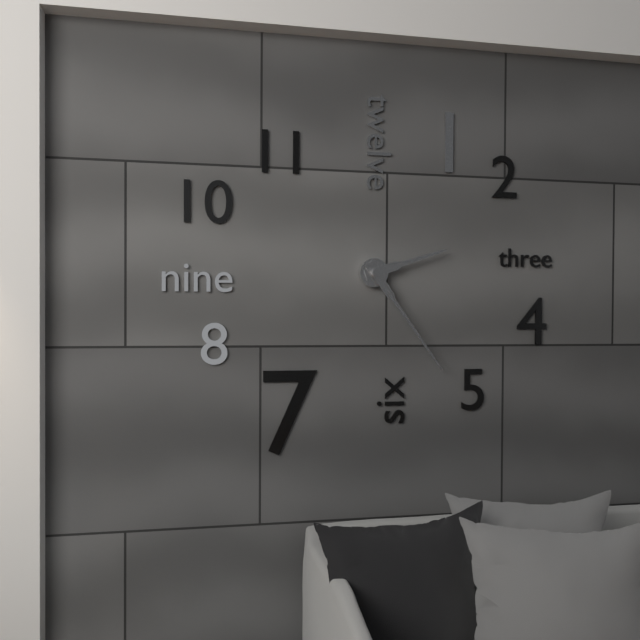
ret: {"hour": 2, "minute": 24}
